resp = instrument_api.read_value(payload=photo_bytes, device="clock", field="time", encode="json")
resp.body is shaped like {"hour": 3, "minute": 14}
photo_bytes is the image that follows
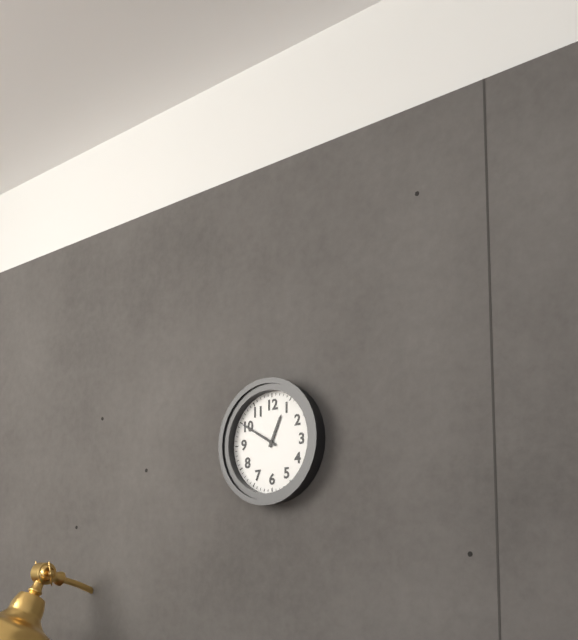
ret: {"hour": 12, "minute": 50}
